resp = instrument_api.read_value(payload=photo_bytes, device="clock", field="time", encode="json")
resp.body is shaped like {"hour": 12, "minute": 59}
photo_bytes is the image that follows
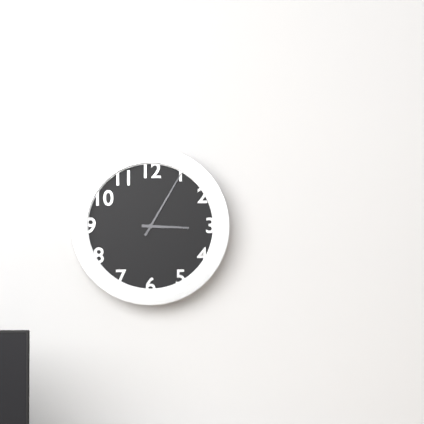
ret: {"hour": 3, "minute": 5}
